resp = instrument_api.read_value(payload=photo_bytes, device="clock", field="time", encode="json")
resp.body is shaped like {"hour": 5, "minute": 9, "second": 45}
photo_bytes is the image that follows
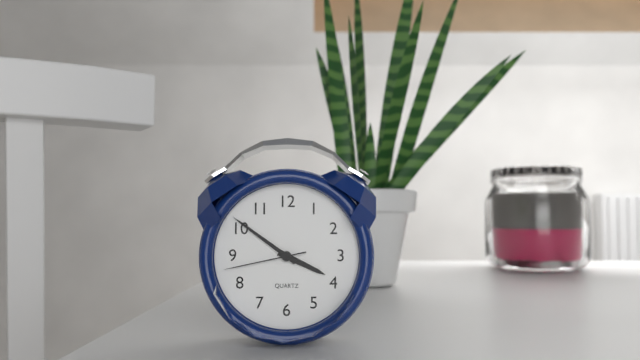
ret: {"hour": 3, "minute": 51, "second": 43}
